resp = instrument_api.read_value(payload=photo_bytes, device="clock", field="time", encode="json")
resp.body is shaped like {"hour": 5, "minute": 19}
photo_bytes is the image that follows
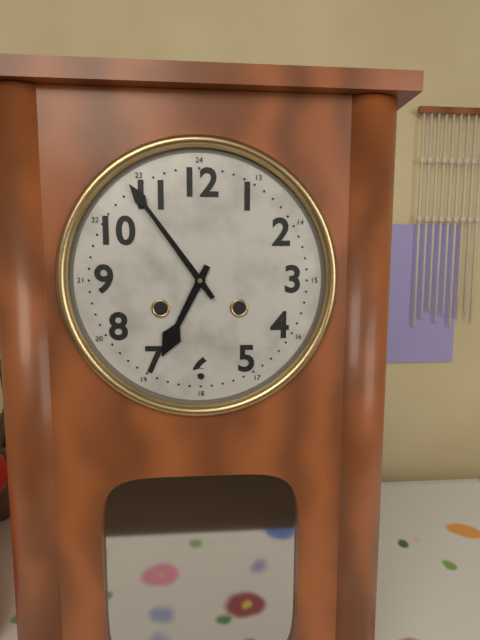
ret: {"hour": 6, "minute": 54}
